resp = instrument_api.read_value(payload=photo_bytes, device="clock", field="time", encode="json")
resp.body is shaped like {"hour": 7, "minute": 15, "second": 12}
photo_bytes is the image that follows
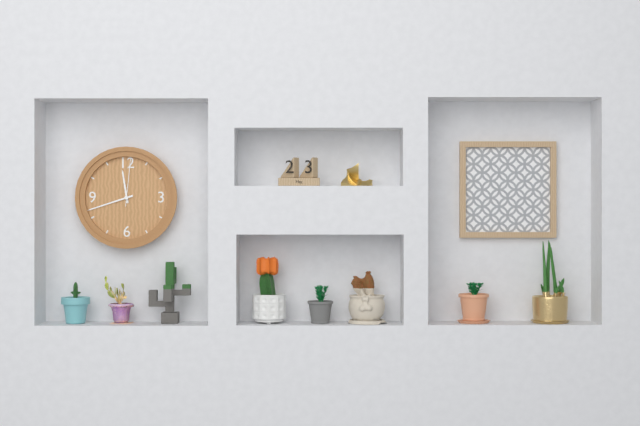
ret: {"hour": 11, "minute": 42, "second": 1}
